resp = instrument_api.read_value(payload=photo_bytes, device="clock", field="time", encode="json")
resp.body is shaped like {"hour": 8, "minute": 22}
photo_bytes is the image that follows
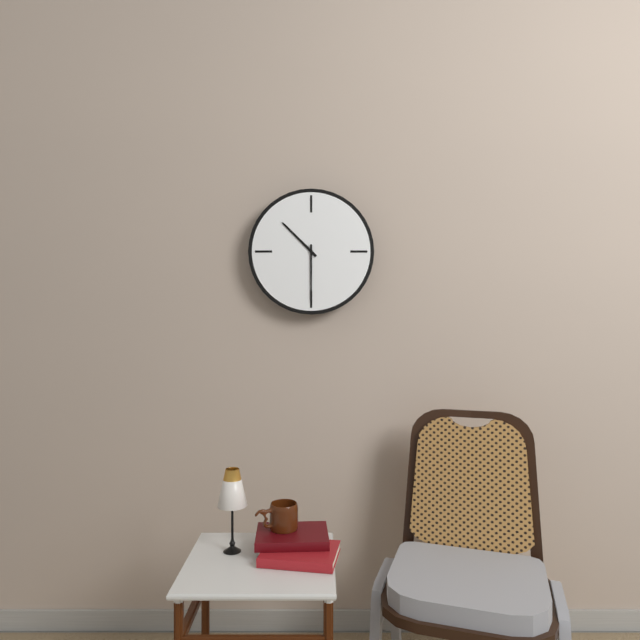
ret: {"hour": 10, "minute": 30}
